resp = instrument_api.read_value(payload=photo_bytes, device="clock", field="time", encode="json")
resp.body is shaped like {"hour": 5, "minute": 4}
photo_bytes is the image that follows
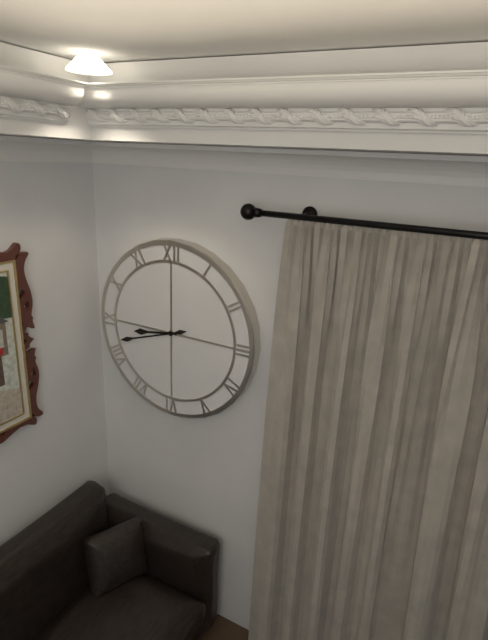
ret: {"hour": 8, "minute": 42}
